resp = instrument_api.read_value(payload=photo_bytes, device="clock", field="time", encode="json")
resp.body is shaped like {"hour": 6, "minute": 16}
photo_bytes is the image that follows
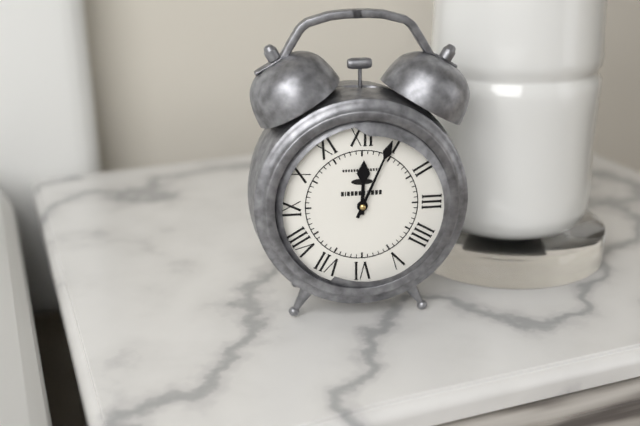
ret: {"hour": 12, "minute": 4}
